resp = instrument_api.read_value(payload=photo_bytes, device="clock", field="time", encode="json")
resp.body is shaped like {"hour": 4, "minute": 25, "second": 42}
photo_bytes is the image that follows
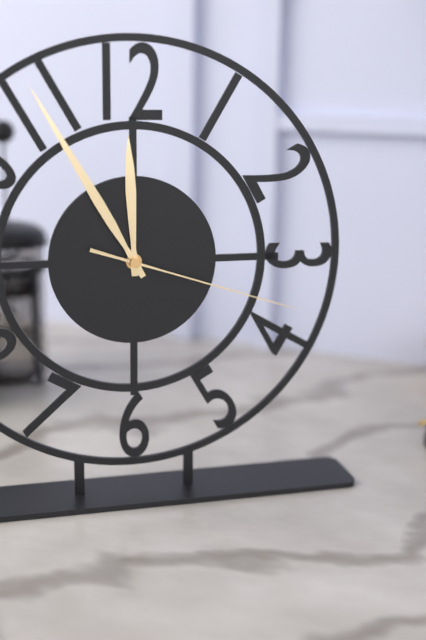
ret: {"hour": 11, "minute": 55, "second": 18}
